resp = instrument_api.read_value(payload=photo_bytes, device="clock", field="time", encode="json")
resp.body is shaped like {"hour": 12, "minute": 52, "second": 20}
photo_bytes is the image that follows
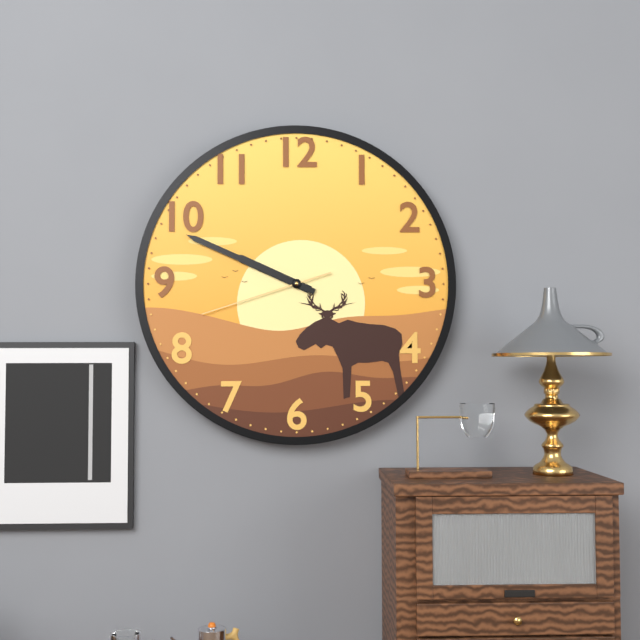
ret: {"hour": 9, "minute": 49, "second": 42}
